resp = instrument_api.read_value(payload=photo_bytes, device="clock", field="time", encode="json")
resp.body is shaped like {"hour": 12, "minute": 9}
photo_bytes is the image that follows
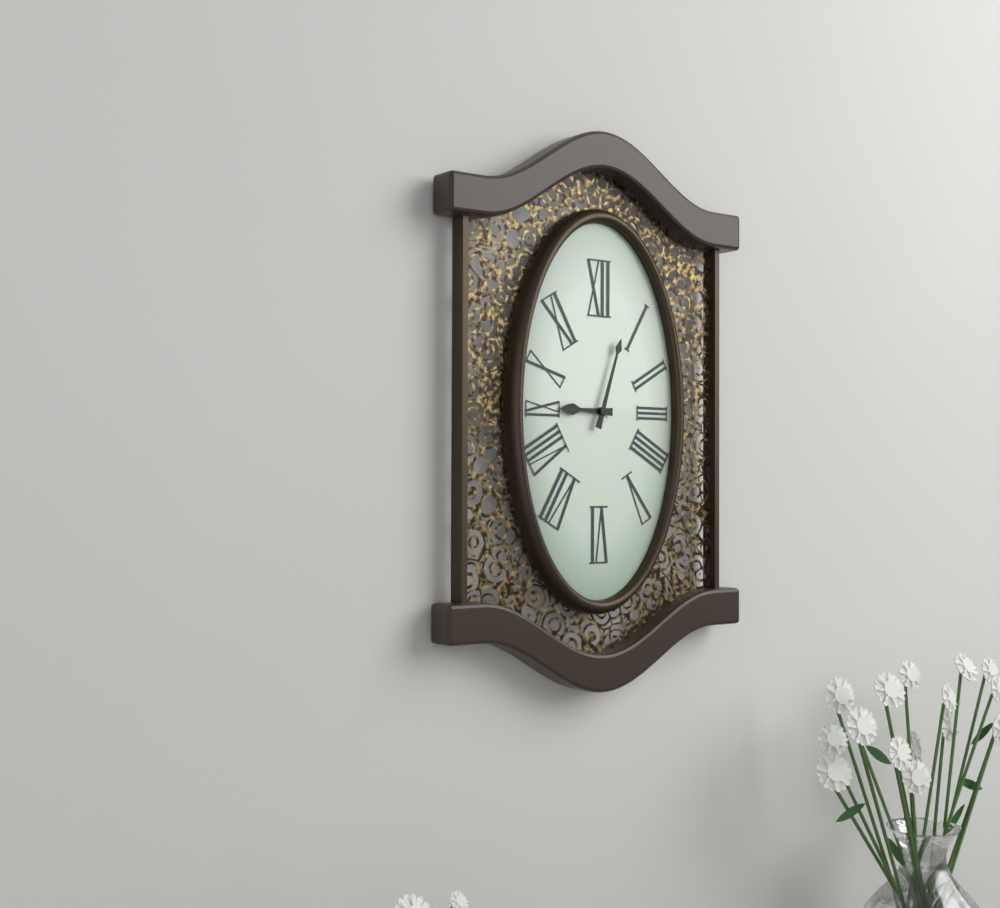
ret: {"hour": 9, "minute": 3}
